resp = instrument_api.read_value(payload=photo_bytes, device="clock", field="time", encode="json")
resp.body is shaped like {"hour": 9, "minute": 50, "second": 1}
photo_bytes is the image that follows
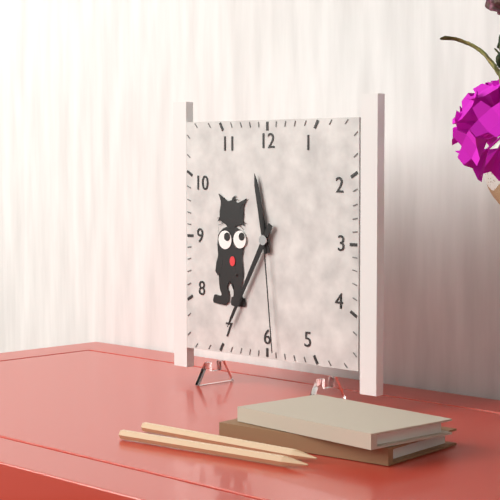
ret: {"hour": 11, "minute": 35, "second": 29}
